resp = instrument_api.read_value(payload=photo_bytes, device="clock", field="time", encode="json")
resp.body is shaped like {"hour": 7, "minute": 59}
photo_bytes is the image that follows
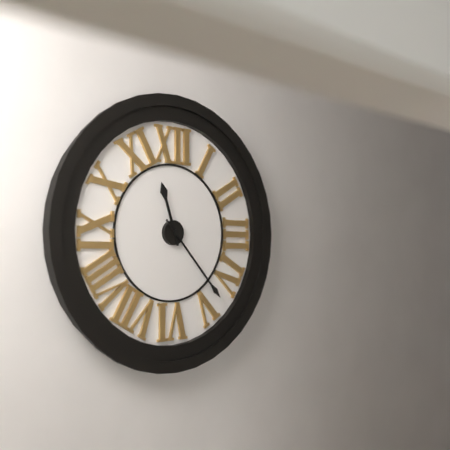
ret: {"hour": 11, "minute": 23}
